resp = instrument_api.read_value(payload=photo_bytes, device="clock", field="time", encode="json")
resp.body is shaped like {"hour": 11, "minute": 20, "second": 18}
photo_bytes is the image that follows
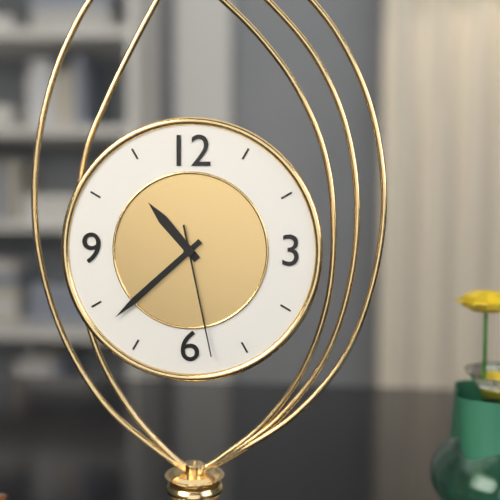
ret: {"hour": 10, "minute": 38, "second": 28}
